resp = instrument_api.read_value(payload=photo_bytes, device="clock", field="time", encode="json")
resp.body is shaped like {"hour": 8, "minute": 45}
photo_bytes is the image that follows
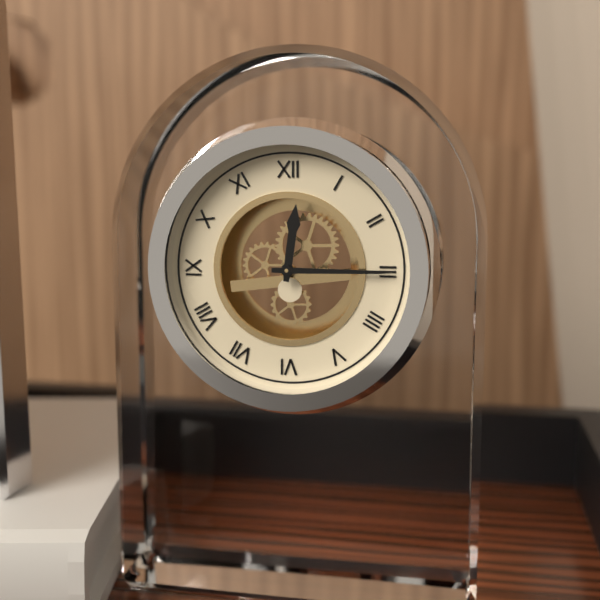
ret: {"hour": 12, "minute": 15}
